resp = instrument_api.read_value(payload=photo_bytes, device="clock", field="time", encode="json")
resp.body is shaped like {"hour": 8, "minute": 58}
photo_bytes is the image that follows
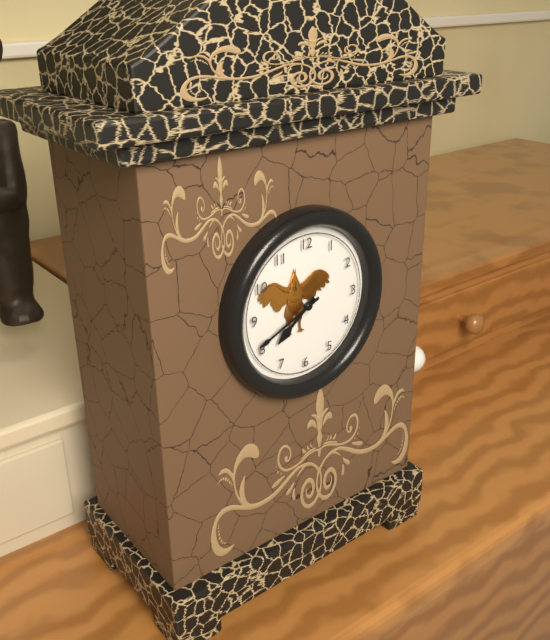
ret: {"hour": 7, "minute": 41}
